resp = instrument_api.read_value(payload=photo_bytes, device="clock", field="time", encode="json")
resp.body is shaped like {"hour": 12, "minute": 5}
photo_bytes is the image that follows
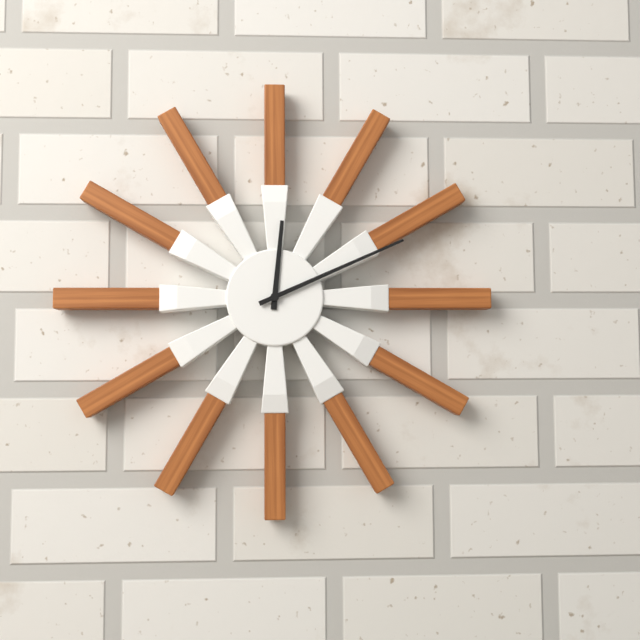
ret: {"hour": 12, "minute": 11}
